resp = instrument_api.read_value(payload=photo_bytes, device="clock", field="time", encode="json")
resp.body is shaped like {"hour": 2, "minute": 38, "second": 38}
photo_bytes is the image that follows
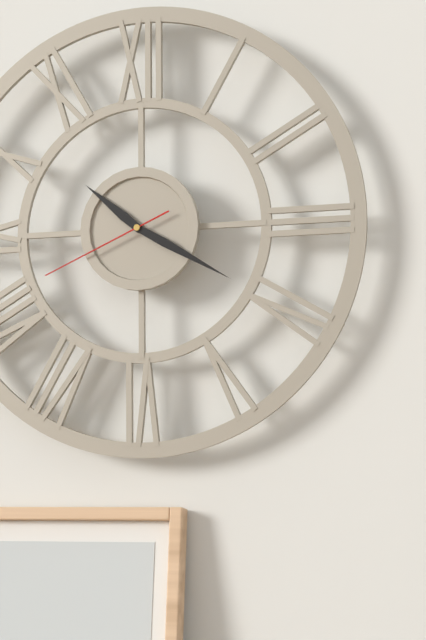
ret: {"hour": 10, "minute": 20, "second": 41}
